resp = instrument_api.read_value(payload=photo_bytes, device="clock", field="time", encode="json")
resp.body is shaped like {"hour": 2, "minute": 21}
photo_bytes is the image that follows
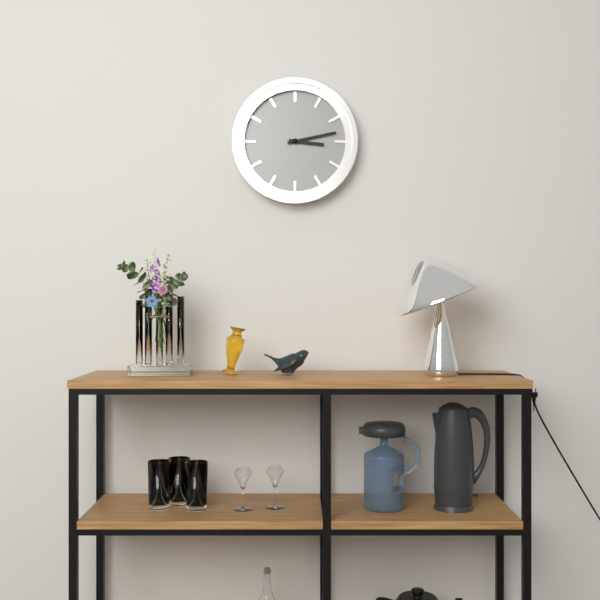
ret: {"hour": 3, "minute": 13}
